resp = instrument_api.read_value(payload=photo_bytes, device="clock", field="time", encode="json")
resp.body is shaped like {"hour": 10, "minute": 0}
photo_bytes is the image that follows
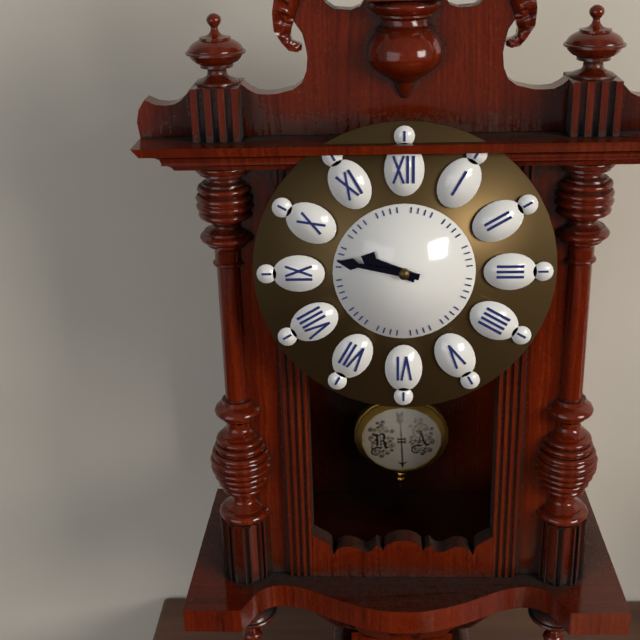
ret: {"hour": 9, "minute": 47}
